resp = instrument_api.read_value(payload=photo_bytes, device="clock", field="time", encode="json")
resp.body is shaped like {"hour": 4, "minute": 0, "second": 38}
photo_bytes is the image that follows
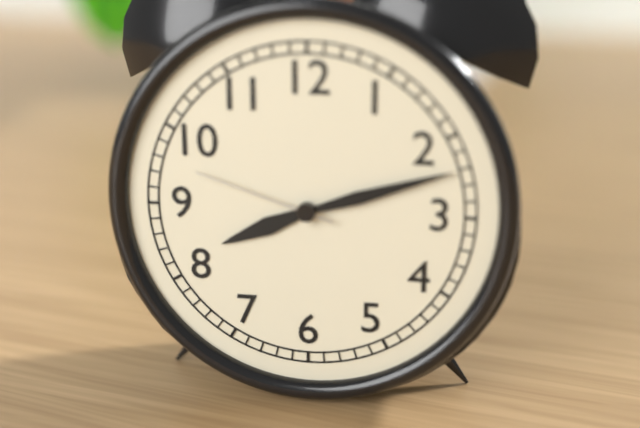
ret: {"hour": 8, "minute": 12, "second": 48}
